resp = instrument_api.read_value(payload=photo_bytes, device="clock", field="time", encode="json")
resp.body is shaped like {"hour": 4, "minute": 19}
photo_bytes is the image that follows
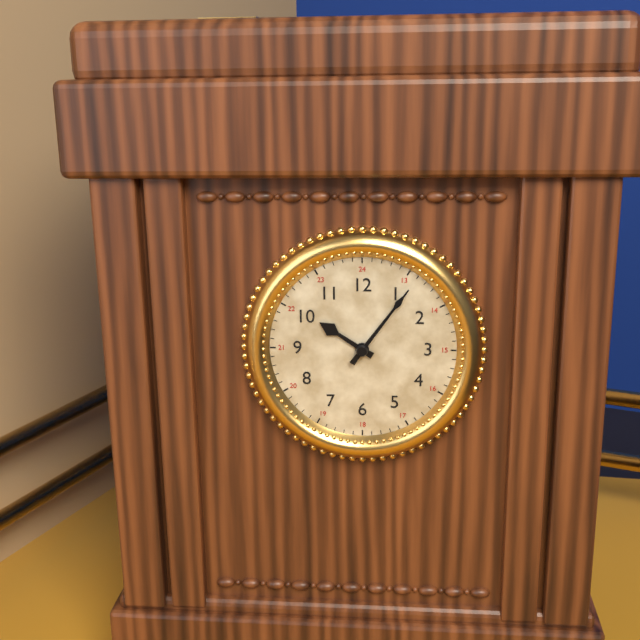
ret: {"hour": 10, "minute": 6}
